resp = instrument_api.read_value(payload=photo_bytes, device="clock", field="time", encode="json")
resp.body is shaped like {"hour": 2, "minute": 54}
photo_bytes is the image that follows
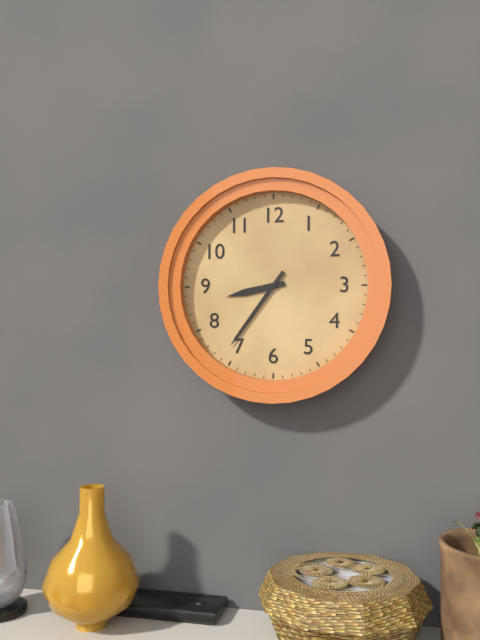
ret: {"hour": 8, "minute": 36}
